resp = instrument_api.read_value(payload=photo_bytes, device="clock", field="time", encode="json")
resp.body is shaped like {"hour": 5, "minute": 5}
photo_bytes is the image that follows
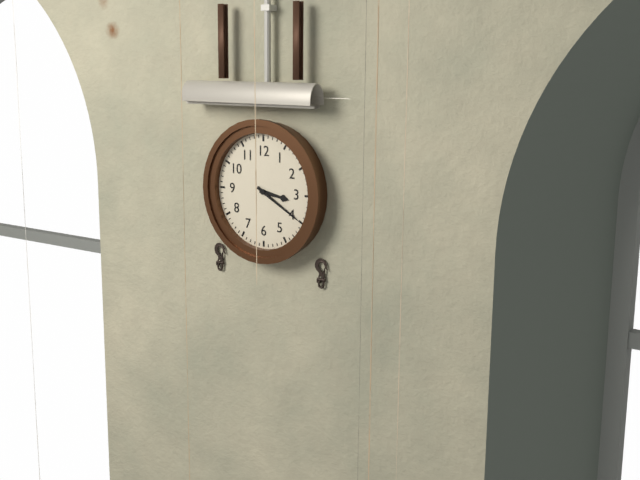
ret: {"hour": 3, "minute": 20}
